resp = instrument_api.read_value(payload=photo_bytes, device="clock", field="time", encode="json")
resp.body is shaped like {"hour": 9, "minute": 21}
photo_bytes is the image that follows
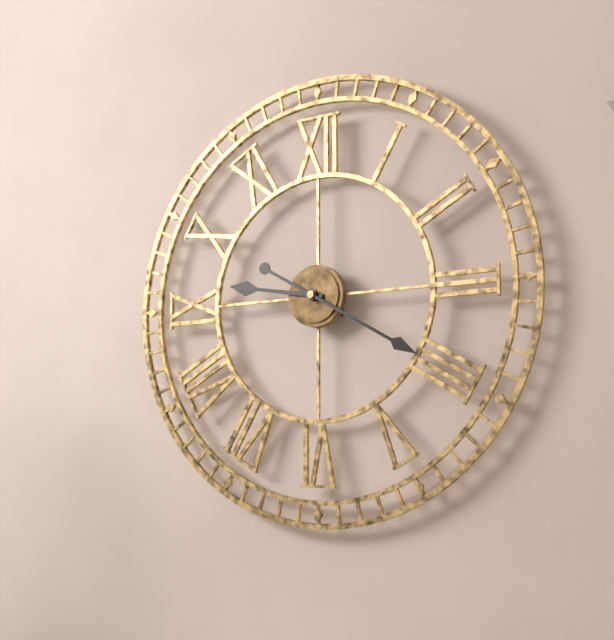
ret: {"hour": 9, "minute": 20}
